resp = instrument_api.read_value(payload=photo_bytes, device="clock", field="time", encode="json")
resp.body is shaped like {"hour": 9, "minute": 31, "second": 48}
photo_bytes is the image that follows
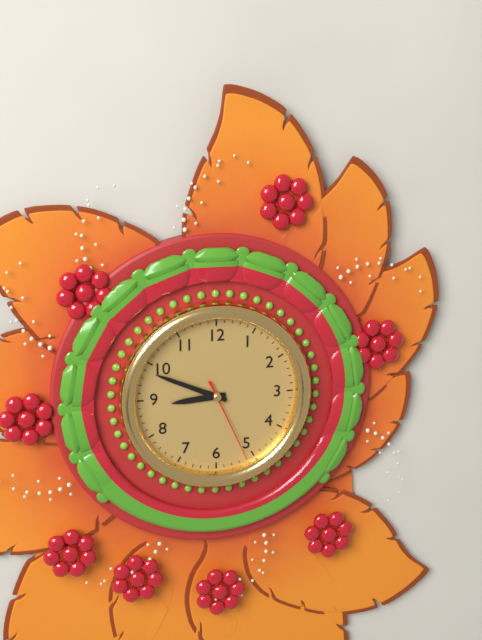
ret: {"hour": 8, "minute": 49, "second": 26}
